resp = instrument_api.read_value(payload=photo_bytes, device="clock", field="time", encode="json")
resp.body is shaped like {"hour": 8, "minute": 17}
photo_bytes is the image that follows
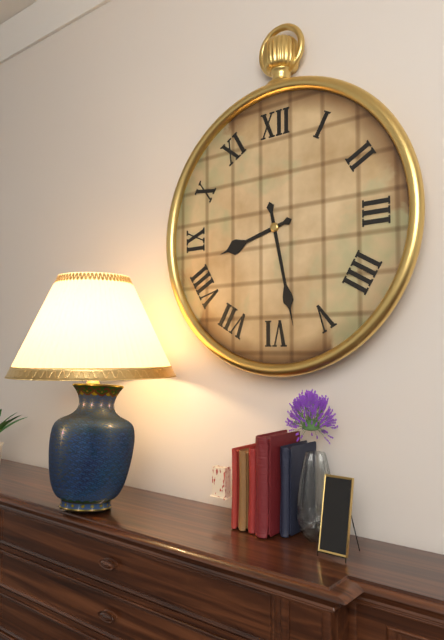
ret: {"hour": 8, "minute": 28}
